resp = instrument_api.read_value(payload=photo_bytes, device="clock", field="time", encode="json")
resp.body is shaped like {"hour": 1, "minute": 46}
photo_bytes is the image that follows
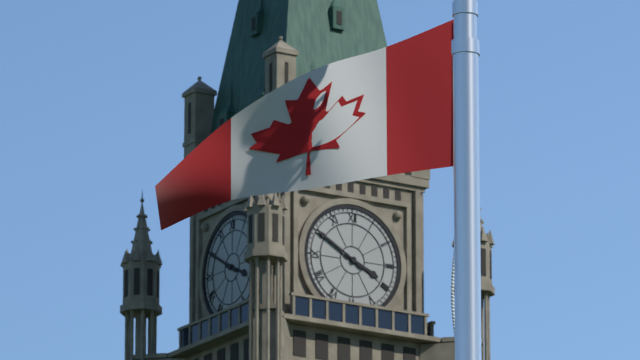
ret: {"hour": 3, "minute": 50}
